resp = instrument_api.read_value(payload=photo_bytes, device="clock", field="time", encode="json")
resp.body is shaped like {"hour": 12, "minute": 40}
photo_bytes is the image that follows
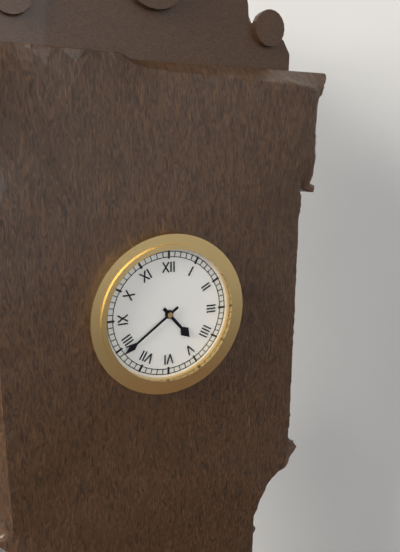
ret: {"hour": 4, "minute": 39}
